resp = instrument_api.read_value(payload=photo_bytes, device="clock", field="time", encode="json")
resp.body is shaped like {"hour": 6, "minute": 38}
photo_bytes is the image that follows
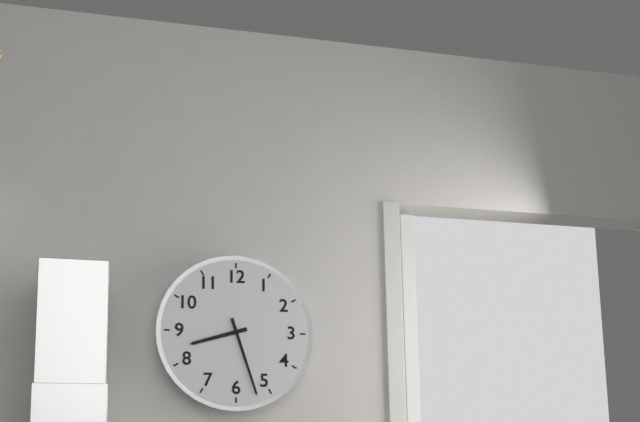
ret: {"hour": 8, "minute": 27}
